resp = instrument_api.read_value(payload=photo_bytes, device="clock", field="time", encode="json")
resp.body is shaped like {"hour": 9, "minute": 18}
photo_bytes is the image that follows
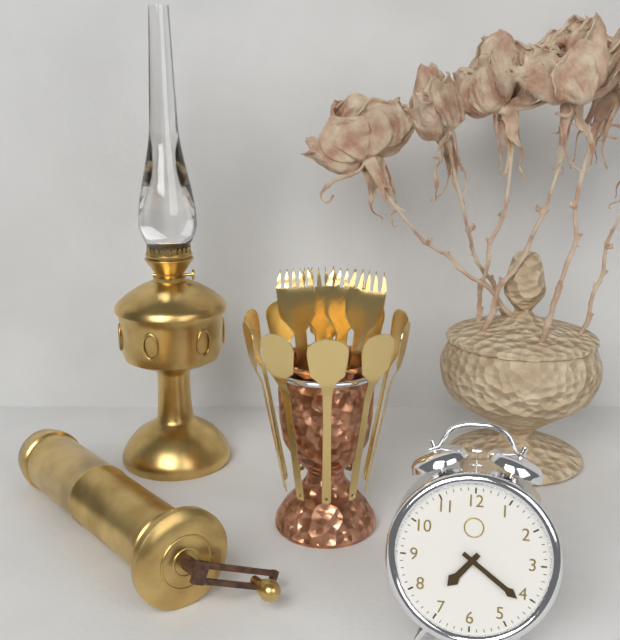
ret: {"hour": 7, "minute": 21}
